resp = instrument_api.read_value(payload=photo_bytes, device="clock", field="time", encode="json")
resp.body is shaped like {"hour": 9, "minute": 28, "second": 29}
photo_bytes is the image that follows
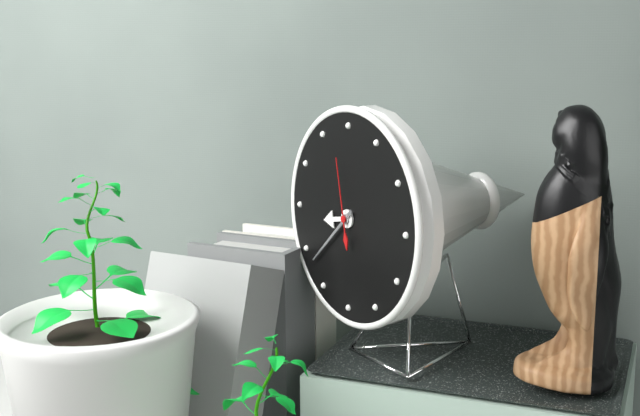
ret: {"hour": 8, "minute": 38, "second": 58}
